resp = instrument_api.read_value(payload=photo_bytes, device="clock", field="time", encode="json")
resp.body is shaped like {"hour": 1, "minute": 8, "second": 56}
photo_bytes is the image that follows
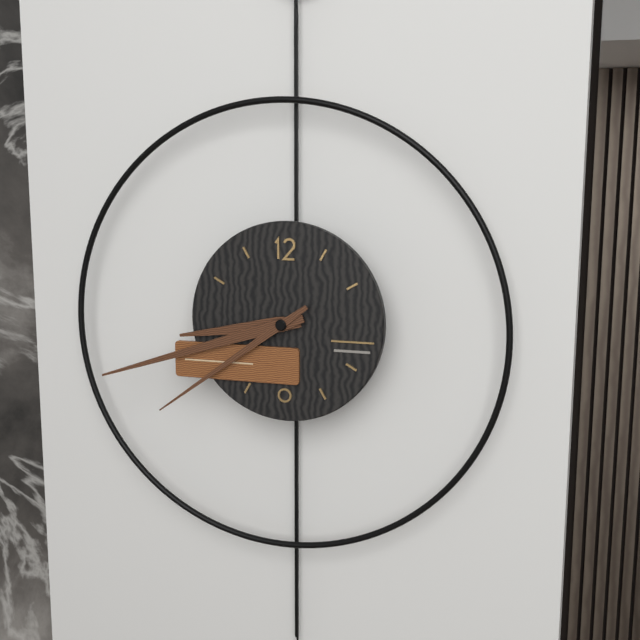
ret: {"hour": 8, "minute": 42, "second": 39}
